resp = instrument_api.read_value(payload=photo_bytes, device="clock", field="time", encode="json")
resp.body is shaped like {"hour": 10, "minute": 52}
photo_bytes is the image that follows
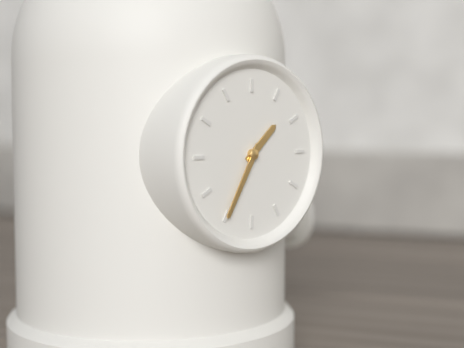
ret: {"hour": 1, "minute": 35}
